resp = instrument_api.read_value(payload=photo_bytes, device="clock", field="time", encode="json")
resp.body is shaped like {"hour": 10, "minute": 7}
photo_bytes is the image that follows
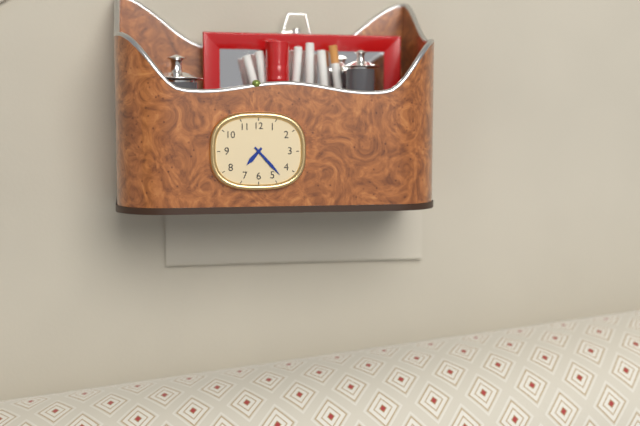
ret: {"hour": 7, "minute": 23}
